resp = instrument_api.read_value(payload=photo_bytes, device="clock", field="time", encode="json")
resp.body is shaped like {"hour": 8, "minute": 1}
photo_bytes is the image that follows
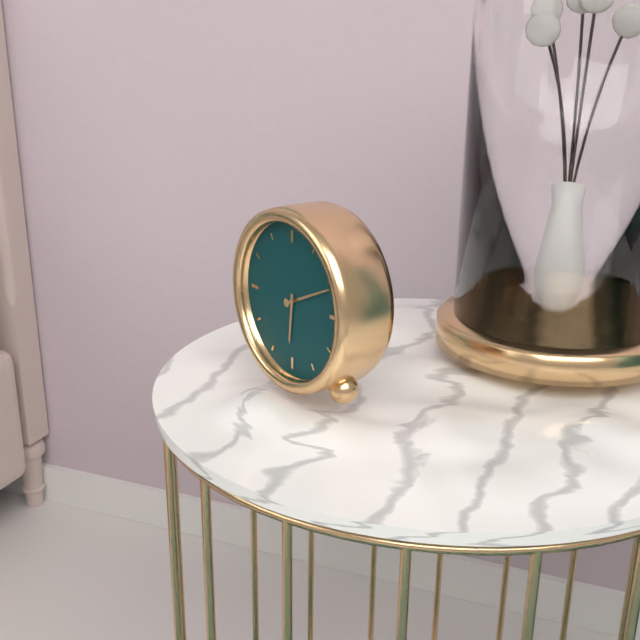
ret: {"hour": 6, "minute": 11}
